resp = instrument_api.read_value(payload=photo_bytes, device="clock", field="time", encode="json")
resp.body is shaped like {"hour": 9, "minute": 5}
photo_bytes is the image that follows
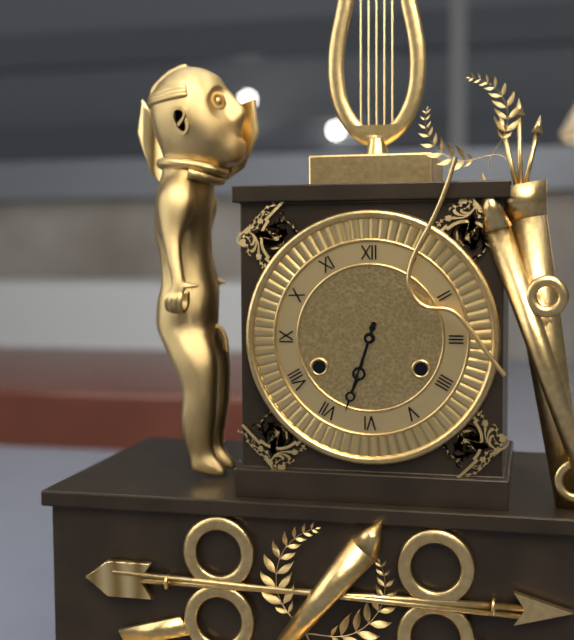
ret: {"hour": 6, "minute": 33}
